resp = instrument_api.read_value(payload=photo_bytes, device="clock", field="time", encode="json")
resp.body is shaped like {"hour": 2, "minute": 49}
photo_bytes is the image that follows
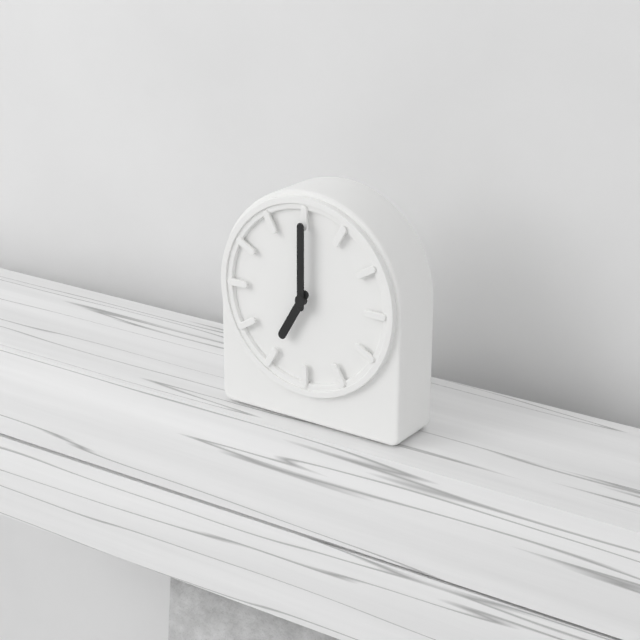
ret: {"hour": 7, "minute": 0}
